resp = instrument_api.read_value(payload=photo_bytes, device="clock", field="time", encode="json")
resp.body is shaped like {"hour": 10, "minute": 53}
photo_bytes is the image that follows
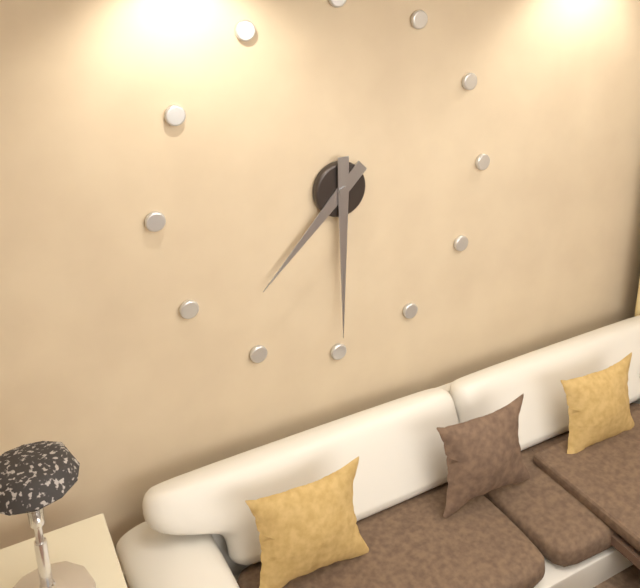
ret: {"hour": 7, "minute": 30}
